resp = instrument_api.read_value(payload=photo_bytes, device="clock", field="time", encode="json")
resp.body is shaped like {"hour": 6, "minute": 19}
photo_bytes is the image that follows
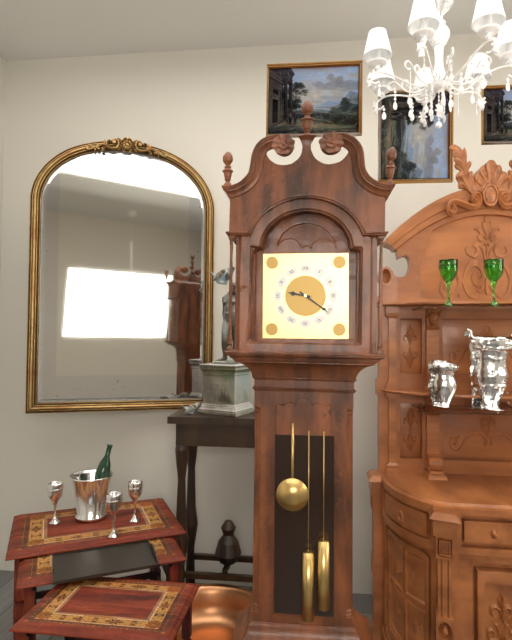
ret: {"hour": 9, "minute": 21}
